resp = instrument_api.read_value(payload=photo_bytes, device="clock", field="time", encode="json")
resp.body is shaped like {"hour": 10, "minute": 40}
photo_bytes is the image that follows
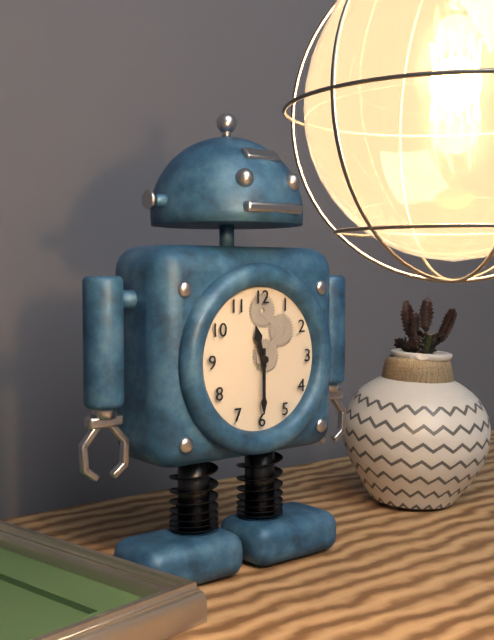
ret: {"hour": 11, "minute": 30}
